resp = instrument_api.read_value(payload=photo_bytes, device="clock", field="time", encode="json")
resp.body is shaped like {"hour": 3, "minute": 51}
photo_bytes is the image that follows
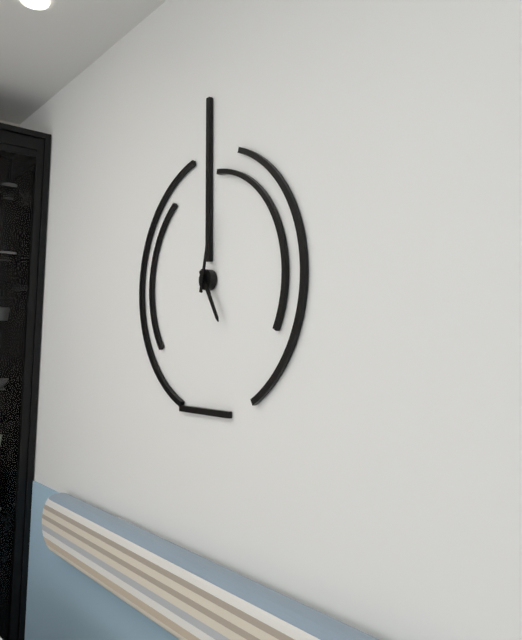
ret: {"hour": 5, "minute": 2}
